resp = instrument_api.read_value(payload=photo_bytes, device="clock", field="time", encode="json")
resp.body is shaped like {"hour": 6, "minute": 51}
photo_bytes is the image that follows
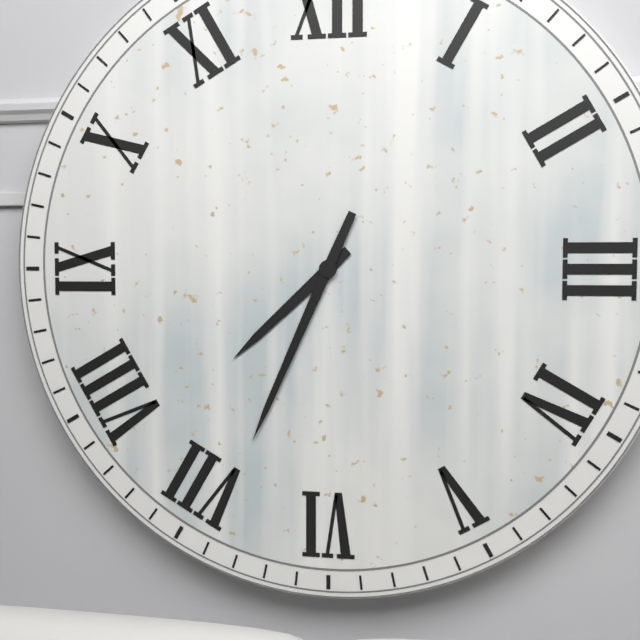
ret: {"hour": 7, "minute": 34}
